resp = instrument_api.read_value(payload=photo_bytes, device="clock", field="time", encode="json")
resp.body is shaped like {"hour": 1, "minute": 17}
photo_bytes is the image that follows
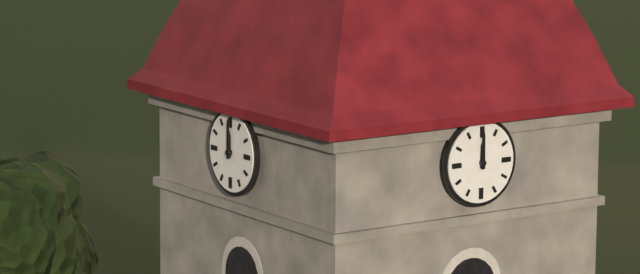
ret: {"hour": 12, "minute": 0}
